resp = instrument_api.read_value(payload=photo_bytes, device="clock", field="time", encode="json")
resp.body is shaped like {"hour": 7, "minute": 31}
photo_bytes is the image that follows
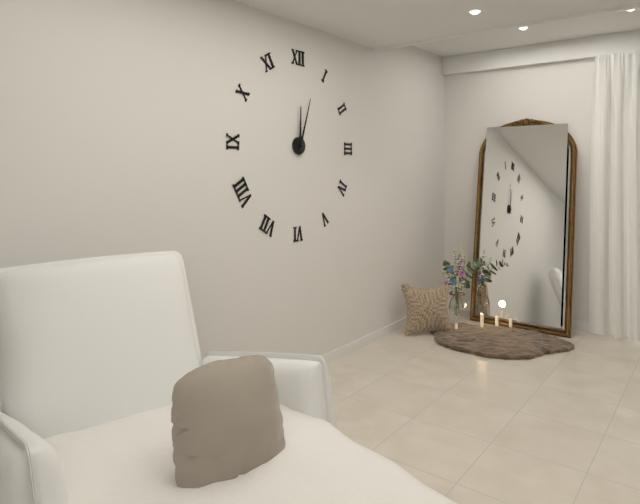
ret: {"hour": 12, "minute": 3}
